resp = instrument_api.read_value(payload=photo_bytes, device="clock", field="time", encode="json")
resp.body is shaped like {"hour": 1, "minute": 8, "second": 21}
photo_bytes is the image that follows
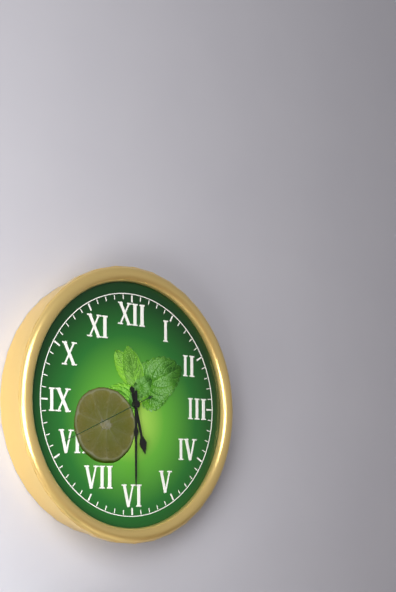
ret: {"hour": 5, "minute": 30, "second": 41}
